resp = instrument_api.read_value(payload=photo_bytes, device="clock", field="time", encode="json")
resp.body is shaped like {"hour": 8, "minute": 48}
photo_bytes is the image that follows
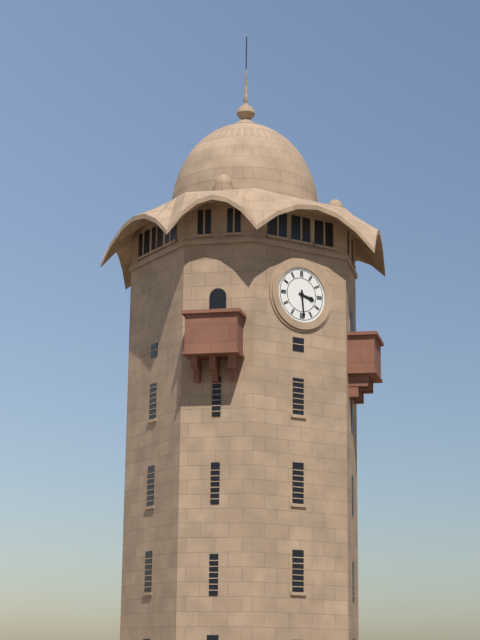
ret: {"hour": 3, "minute": 29}
